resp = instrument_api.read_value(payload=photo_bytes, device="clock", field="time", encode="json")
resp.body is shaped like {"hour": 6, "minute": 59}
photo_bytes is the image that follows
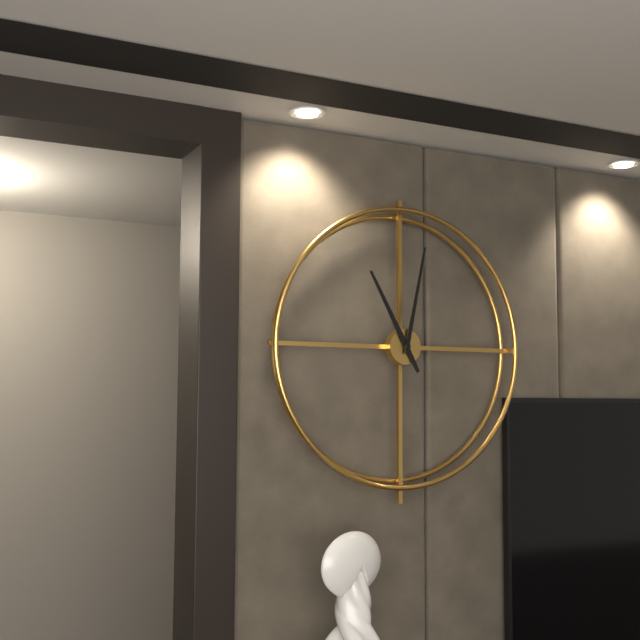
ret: {"hour": 11, "minute": 2}
